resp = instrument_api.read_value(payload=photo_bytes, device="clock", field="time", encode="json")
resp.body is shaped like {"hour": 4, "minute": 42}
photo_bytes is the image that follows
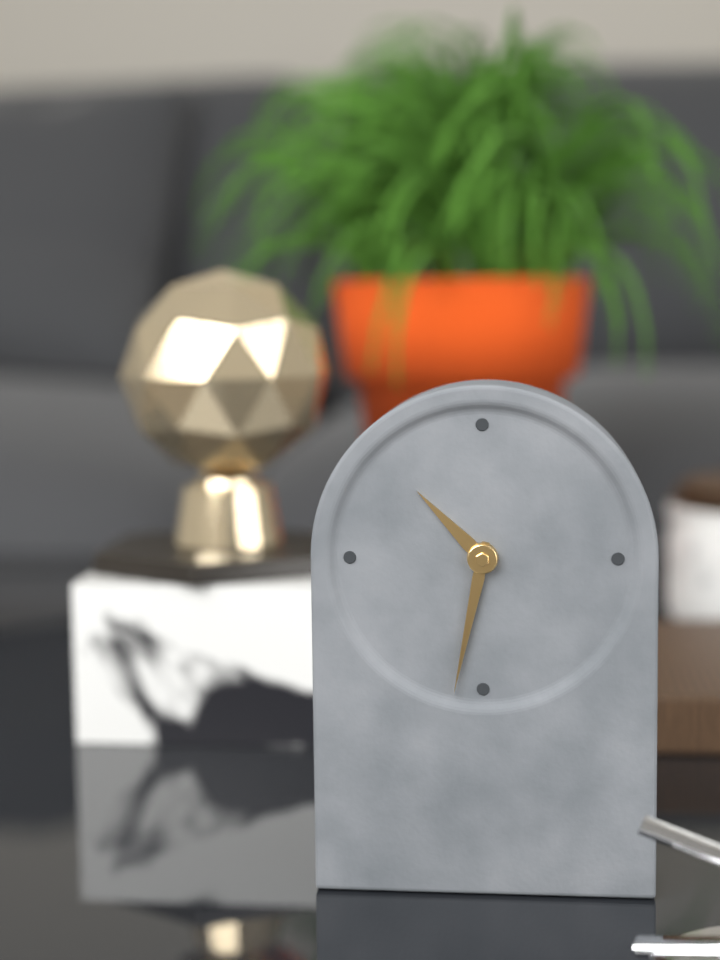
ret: {"hour": 10, "minute": 32}
